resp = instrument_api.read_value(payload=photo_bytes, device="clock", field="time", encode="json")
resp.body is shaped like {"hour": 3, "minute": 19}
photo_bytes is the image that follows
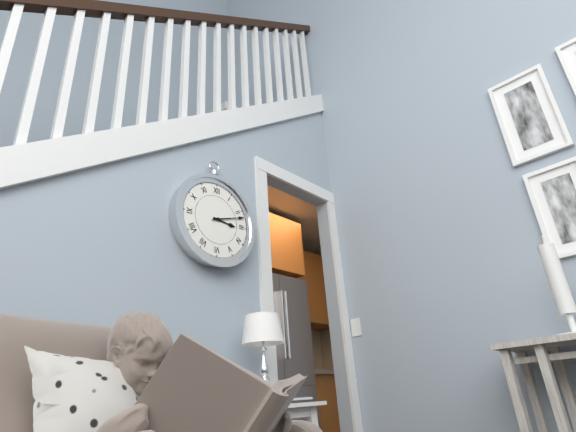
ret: {"hour": 3, "minute": 12}
